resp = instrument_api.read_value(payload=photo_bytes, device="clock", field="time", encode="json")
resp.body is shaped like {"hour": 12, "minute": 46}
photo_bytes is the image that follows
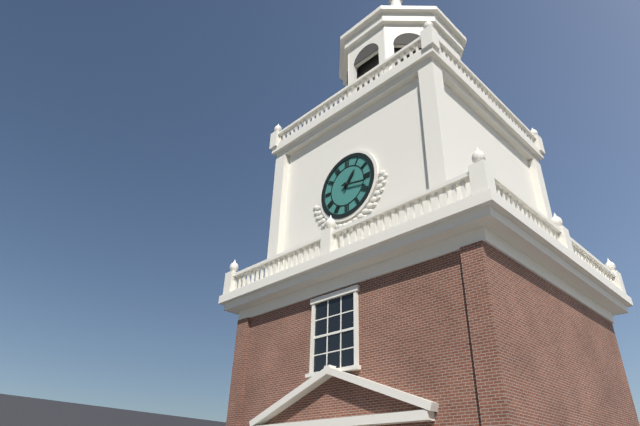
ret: {"hour": 1, "minute": 17}
